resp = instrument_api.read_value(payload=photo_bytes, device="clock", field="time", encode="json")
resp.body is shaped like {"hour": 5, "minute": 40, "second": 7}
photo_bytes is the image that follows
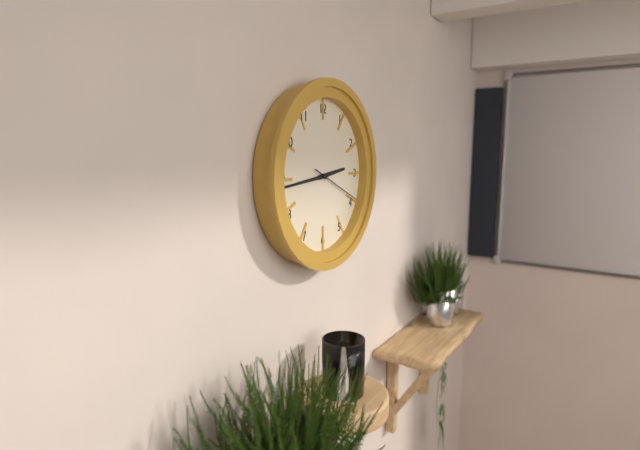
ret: {"hour": 2, "minute": 44, "second": 19}
